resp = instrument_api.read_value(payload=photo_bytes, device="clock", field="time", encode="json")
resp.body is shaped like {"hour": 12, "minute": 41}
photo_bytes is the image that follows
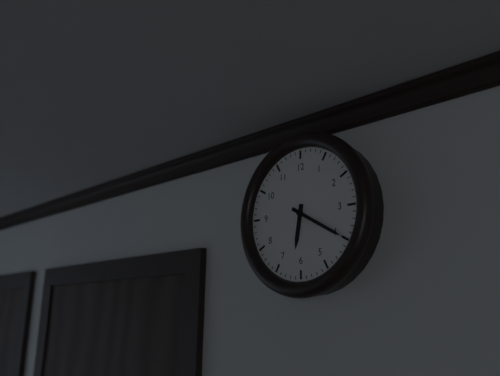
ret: {"hour": 6, "minute": 20}
